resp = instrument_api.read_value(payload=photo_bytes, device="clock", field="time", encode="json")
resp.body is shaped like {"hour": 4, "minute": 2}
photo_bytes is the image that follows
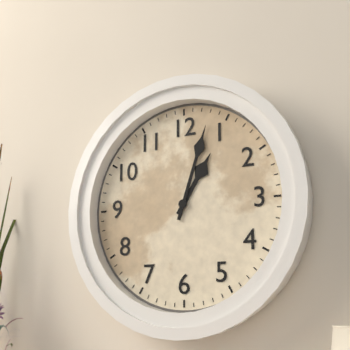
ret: {"hour": 1, "minute": 3}
